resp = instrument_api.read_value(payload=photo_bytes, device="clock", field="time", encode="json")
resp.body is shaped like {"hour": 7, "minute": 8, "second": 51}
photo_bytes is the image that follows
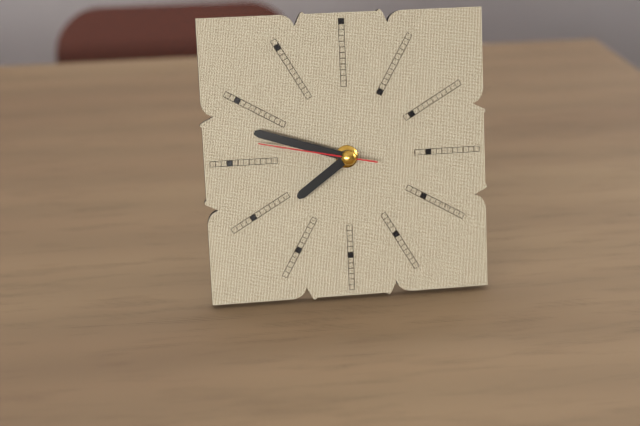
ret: {"hour": 7, "minute": 48, "second": 47}
